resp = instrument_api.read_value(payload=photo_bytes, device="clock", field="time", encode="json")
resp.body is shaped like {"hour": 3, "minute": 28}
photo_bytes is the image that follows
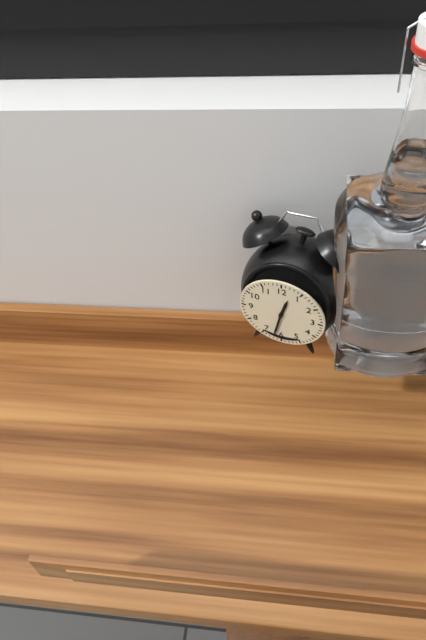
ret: {"hour": 12, "minute": 32}
